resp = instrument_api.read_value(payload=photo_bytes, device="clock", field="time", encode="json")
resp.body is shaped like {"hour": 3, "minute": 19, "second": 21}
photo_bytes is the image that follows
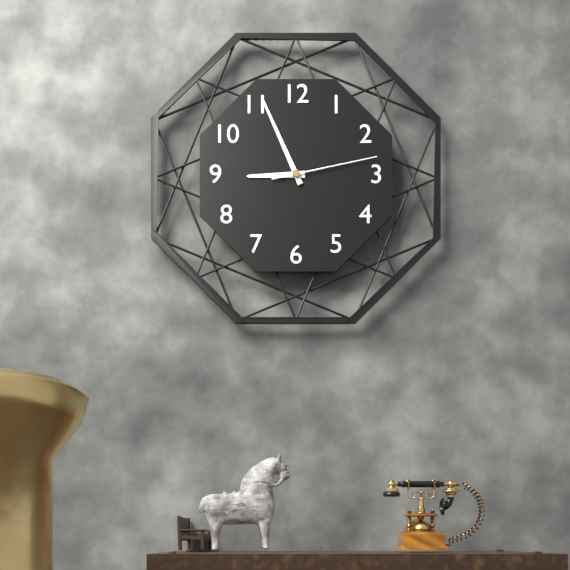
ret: {"hour": 8, "minute": 56, "second": 13}
